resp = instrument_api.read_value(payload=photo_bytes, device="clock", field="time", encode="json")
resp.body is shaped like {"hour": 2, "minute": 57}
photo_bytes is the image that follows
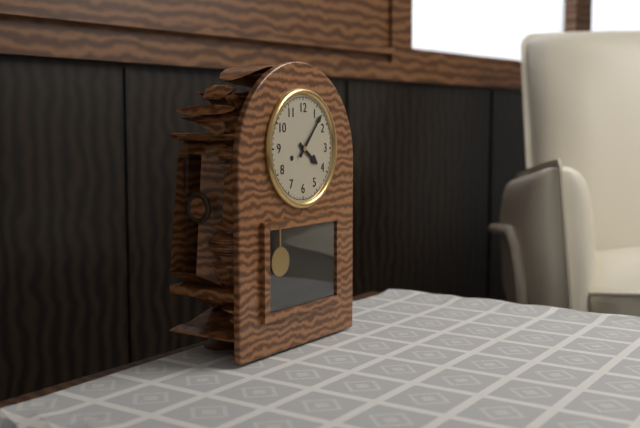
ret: {"hour": 4, "minute": 7}
